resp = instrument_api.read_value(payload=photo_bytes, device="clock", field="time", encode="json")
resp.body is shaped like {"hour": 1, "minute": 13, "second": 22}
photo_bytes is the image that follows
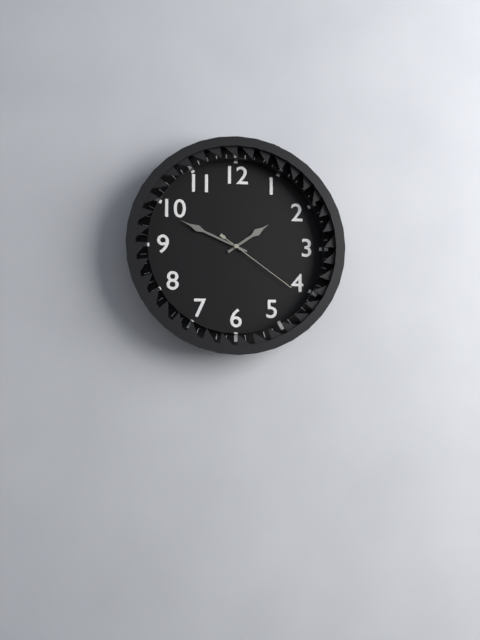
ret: {"hour": 1, "minute": 49, "second": 21}
